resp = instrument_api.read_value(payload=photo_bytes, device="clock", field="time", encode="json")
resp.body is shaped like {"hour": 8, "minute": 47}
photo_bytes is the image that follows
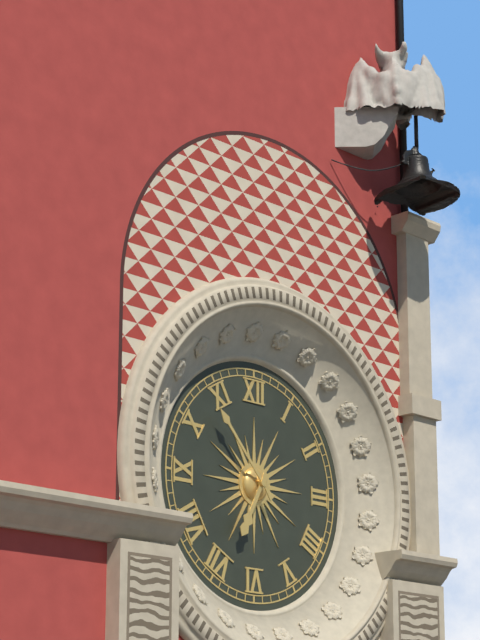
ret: {"hour": 6, "minute": 53}
